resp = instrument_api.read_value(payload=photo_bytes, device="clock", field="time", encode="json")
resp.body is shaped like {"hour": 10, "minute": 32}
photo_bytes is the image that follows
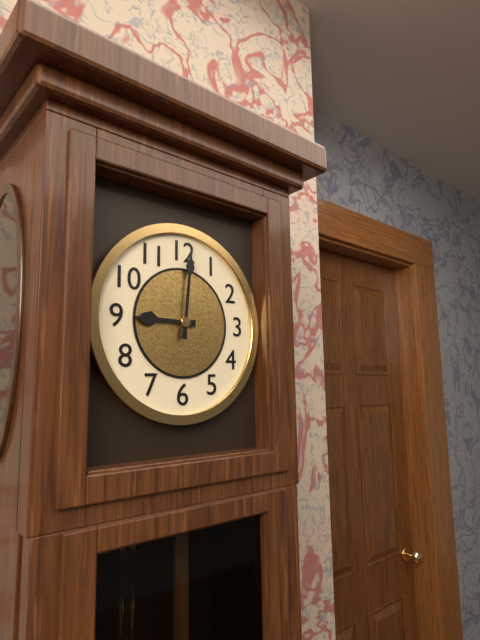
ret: {"hour": 9, "minute": 1}
